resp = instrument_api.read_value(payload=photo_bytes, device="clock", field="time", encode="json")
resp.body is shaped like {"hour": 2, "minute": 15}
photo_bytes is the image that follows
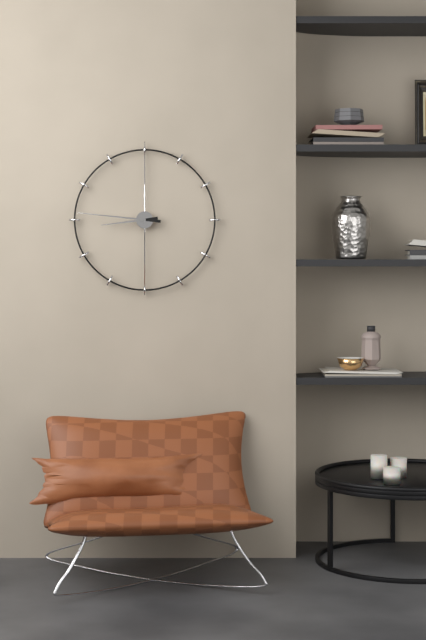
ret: {"hour": 8, "minute": 46}
